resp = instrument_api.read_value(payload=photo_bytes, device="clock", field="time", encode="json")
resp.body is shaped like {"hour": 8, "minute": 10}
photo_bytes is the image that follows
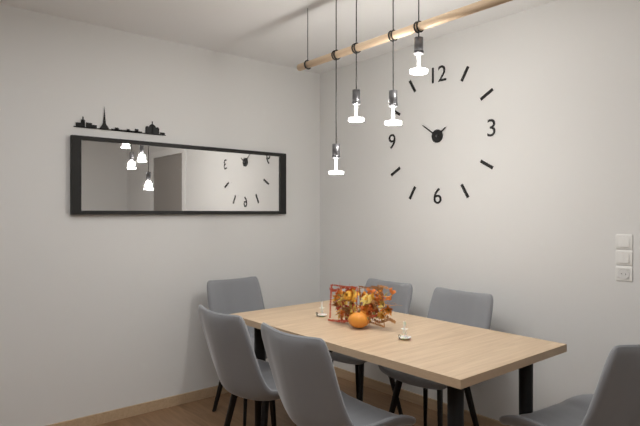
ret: {"hour": 1, "minute": 51}
